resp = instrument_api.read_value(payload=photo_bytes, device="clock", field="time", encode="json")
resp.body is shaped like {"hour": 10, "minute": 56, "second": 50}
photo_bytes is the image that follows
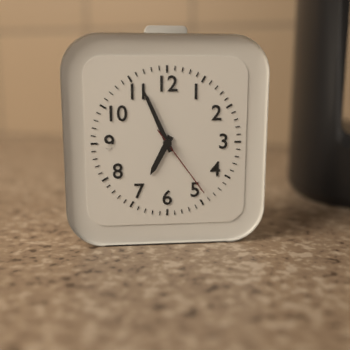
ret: {"hour": 6, "minute": 56, "second": 24}
